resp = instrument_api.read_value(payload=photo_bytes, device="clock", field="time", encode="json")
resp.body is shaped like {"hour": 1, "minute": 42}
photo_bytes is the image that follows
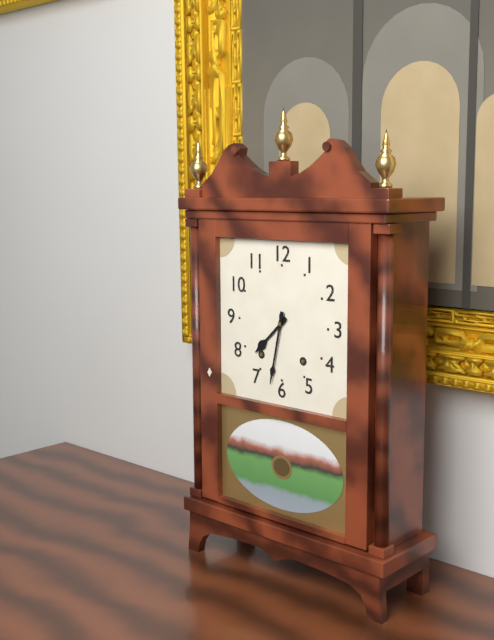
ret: {"hour": 7, "minute": 32}
